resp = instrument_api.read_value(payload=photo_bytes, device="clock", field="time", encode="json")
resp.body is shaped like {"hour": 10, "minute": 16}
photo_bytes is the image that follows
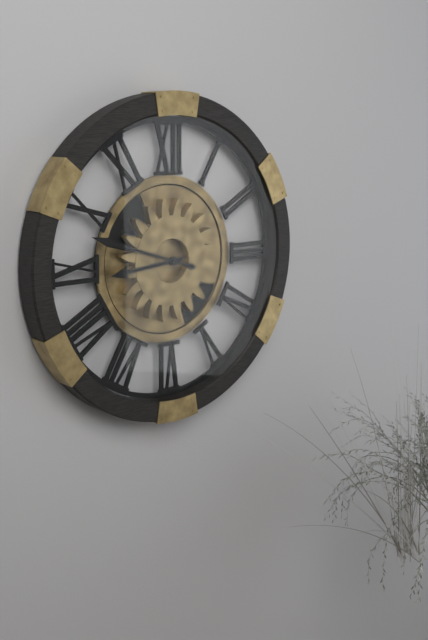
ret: {"hour": 8, "minute": 48}
